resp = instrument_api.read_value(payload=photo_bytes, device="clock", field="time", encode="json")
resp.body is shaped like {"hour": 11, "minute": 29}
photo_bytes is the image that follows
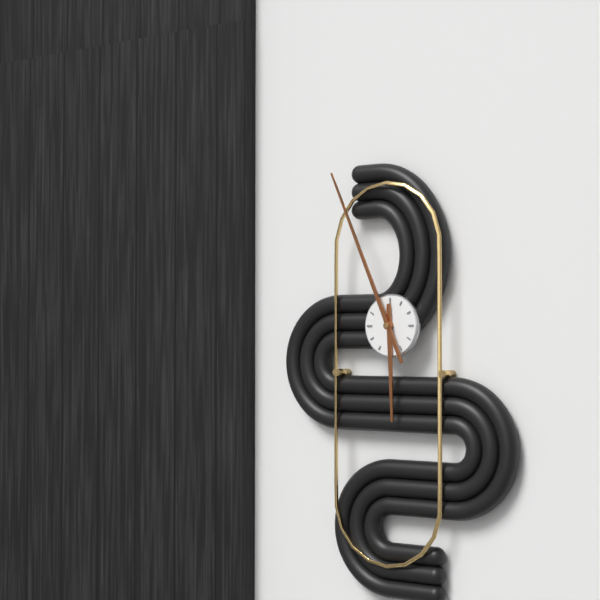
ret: {"hour": 5, "minute": 56}
